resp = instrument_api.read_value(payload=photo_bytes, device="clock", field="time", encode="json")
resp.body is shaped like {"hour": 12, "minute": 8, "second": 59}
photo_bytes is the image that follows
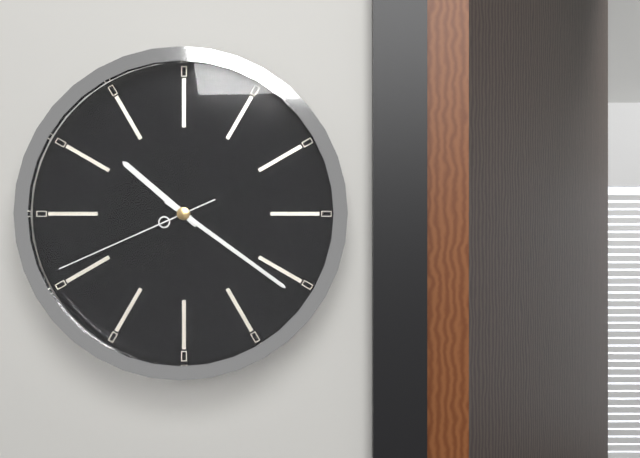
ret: {"hour": 10, "minute": 21, "second": 41}
